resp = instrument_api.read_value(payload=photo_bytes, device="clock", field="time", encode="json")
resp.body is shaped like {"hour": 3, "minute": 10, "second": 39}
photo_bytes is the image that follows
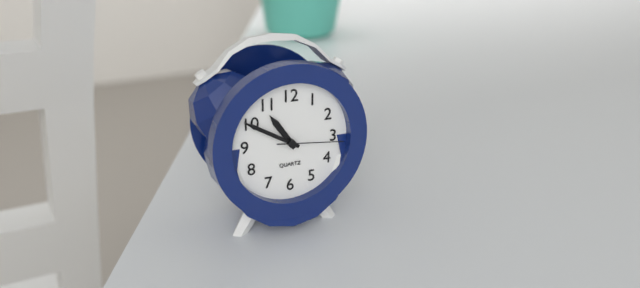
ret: {"hour": 10, "minute": 50, "second": 16}
